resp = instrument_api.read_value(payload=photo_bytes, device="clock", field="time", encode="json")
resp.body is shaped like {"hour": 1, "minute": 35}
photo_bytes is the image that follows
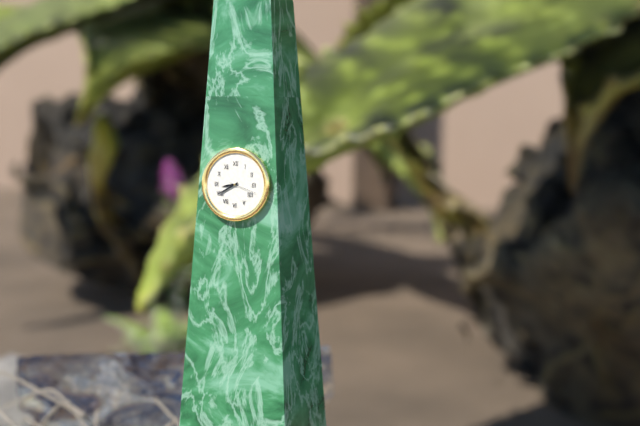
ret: {"hour": 8, "minute": 40}
